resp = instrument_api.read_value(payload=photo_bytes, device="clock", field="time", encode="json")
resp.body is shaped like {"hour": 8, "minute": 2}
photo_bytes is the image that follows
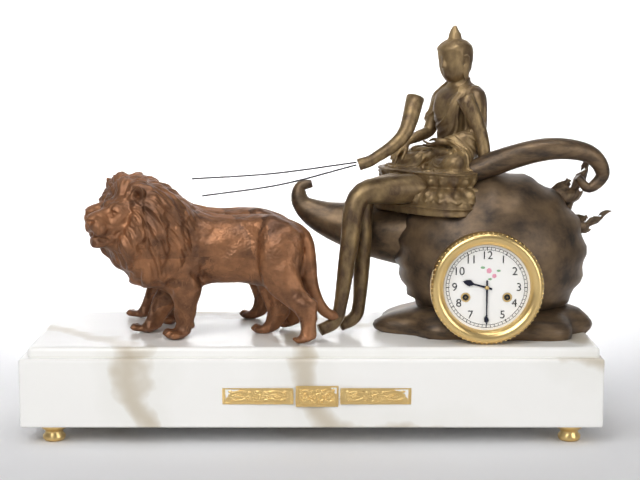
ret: {"hour": 9, "minute": 30}
